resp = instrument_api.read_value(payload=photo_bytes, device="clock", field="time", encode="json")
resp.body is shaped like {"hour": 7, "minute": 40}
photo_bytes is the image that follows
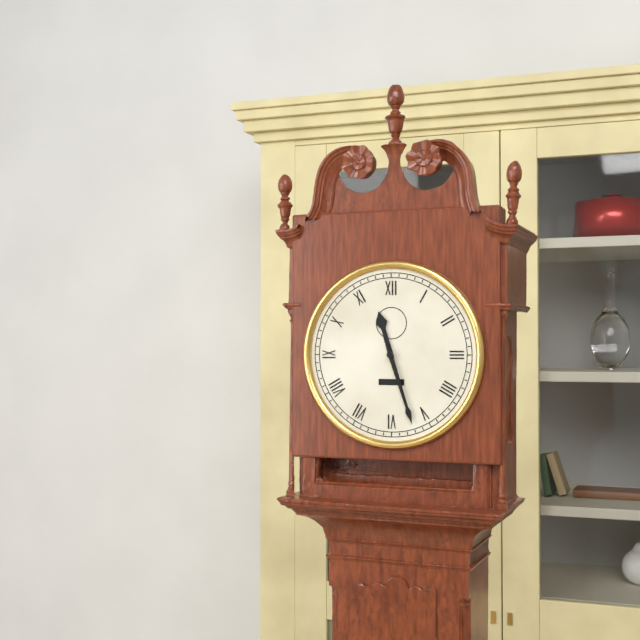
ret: {"hour": 11, "minute": 27}
